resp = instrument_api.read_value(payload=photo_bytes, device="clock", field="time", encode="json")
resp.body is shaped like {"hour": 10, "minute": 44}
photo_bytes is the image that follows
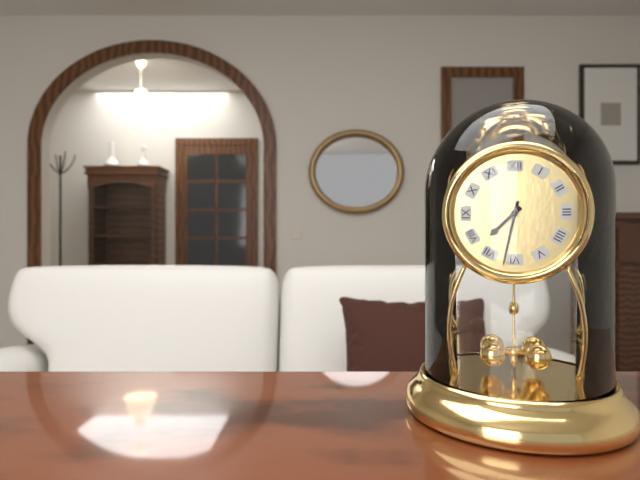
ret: {"hour": 7, "minute": 32}
